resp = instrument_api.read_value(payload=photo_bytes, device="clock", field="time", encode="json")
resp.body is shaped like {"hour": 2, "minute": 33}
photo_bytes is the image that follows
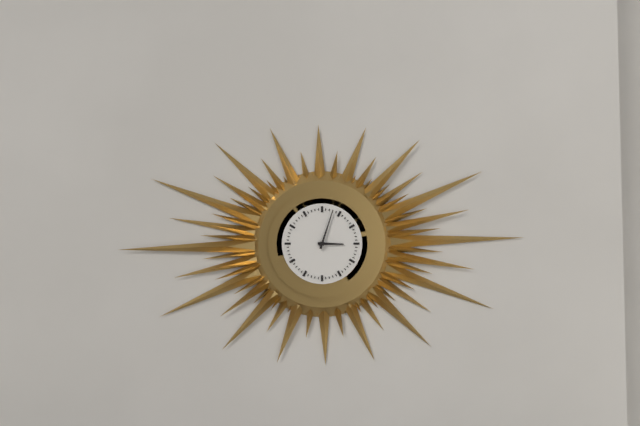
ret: {"hour": 3, "minute": 3}
